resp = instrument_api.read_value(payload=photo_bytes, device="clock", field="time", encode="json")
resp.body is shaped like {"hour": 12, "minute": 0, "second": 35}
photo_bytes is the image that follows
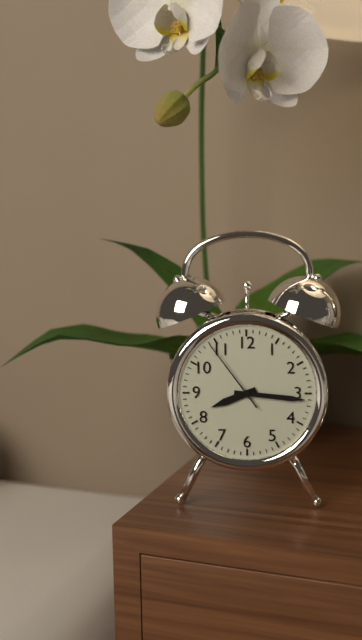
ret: {"hour": 8, "minute": 16, "second": 54}
